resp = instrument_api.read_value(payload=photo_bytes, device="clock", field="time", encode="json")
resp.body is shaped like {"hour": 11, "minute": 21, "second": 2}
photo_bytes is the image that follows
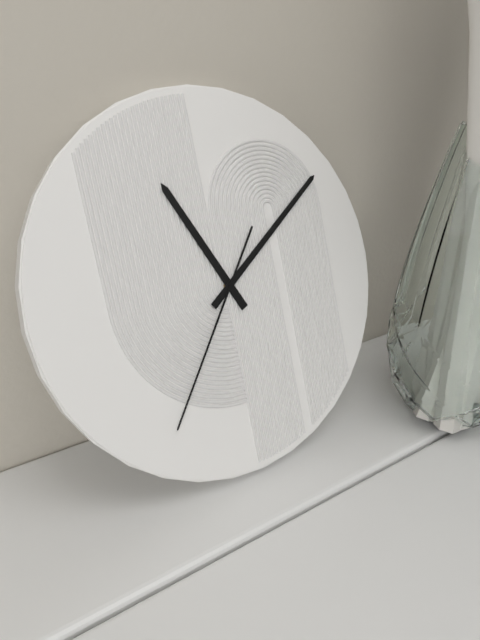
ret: {"hour": 11, "minute": 9, "second": 36}
